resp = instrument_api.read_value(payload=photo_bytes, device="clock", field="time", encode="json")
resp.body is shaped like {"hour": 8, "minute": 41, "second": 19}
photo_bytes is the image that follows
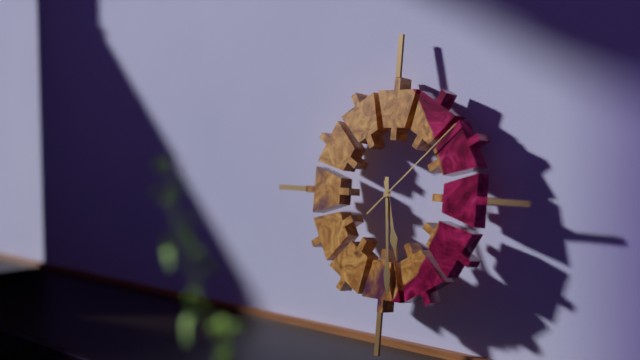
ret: {"hour": 5, "minute": 29, "second": 8}
